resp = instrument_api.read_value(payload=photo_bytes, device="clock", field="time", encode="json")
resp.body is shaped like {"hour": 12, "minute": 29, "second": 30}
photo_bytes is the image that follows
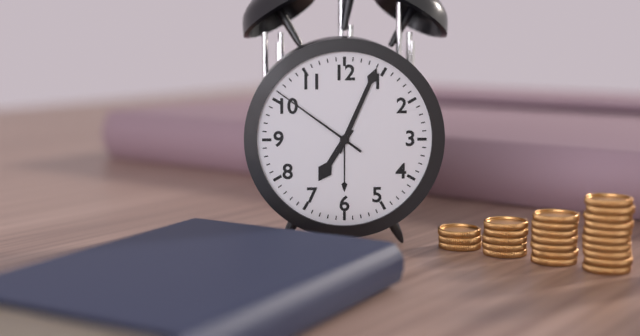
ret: {"hour": 7, "minute": 4, "second": 51}
